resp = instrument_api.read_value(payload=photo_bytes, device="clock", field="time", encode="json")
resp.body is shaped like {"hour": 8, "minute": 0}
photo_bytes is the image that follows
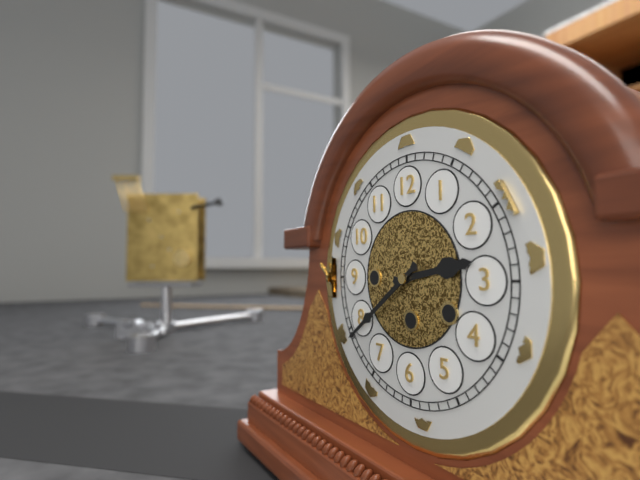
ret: {"hour": 2, "minute": 39}
